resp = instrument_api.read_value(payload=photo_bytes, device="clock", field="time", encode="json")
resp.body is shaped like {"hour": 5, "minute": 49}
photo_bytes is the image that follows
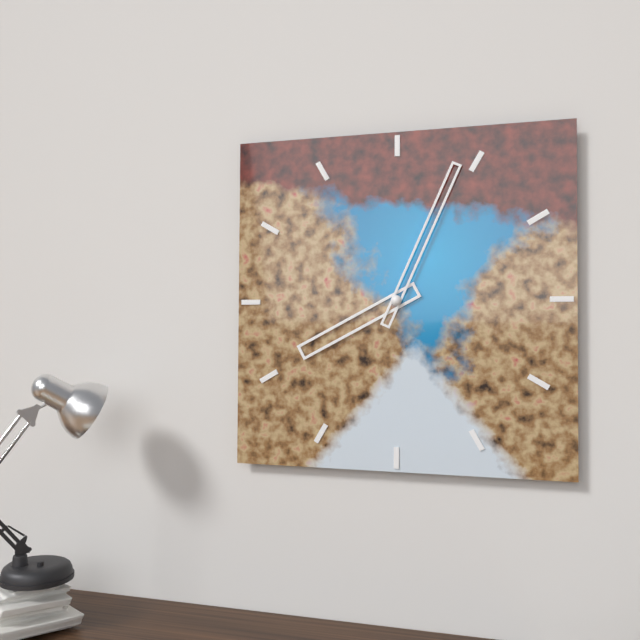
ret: {"hour": 8, "minute": 4}
